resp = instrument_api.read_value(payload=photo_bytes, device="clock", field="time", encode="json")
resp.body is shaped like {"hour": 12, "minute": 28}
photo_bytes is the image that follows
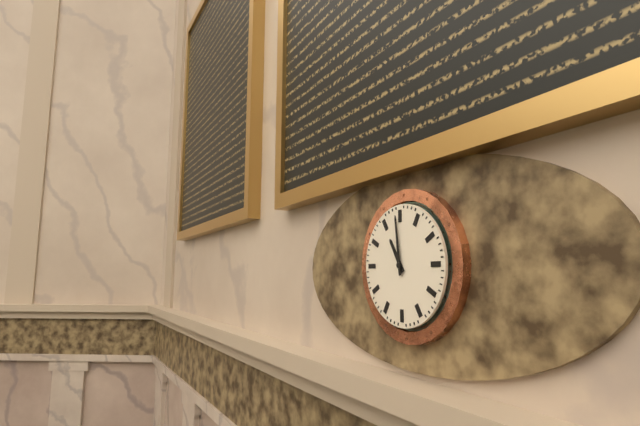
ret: {"hour": 10, "minute": 59}
